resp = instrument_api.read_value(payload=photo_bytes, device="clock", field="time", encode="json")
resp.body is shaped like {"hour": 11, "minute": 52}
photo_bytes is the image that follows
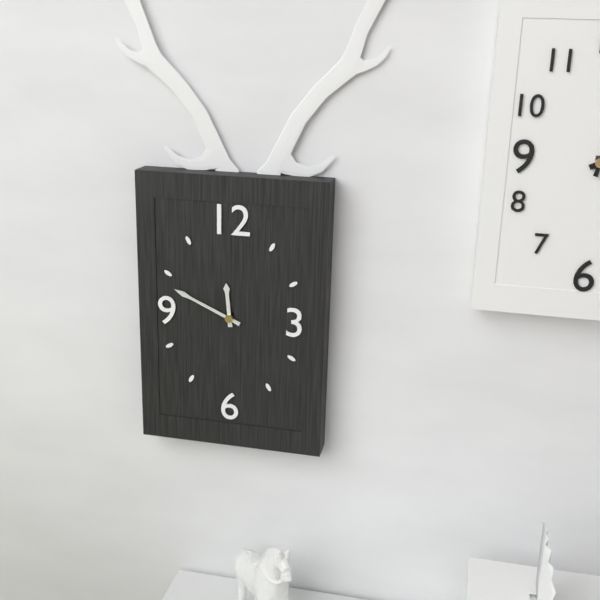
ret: {"hour": 11, "minute": 49}
